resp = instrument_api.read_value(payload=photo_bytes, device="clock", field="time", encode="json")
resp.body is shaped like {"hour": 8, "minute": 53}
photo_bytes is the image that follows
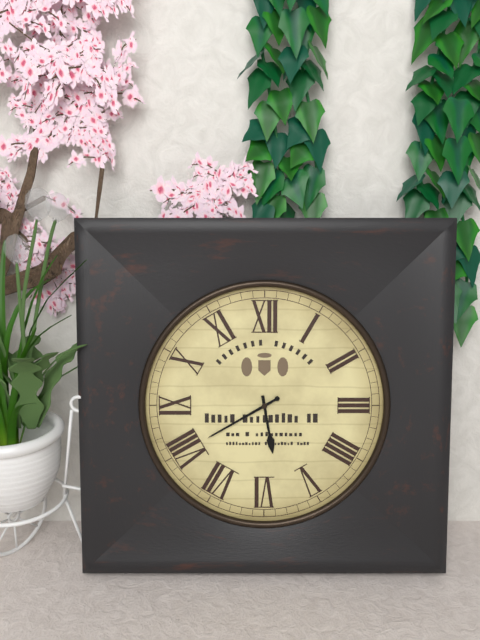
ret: {"hour": 5, "minute": 40}
